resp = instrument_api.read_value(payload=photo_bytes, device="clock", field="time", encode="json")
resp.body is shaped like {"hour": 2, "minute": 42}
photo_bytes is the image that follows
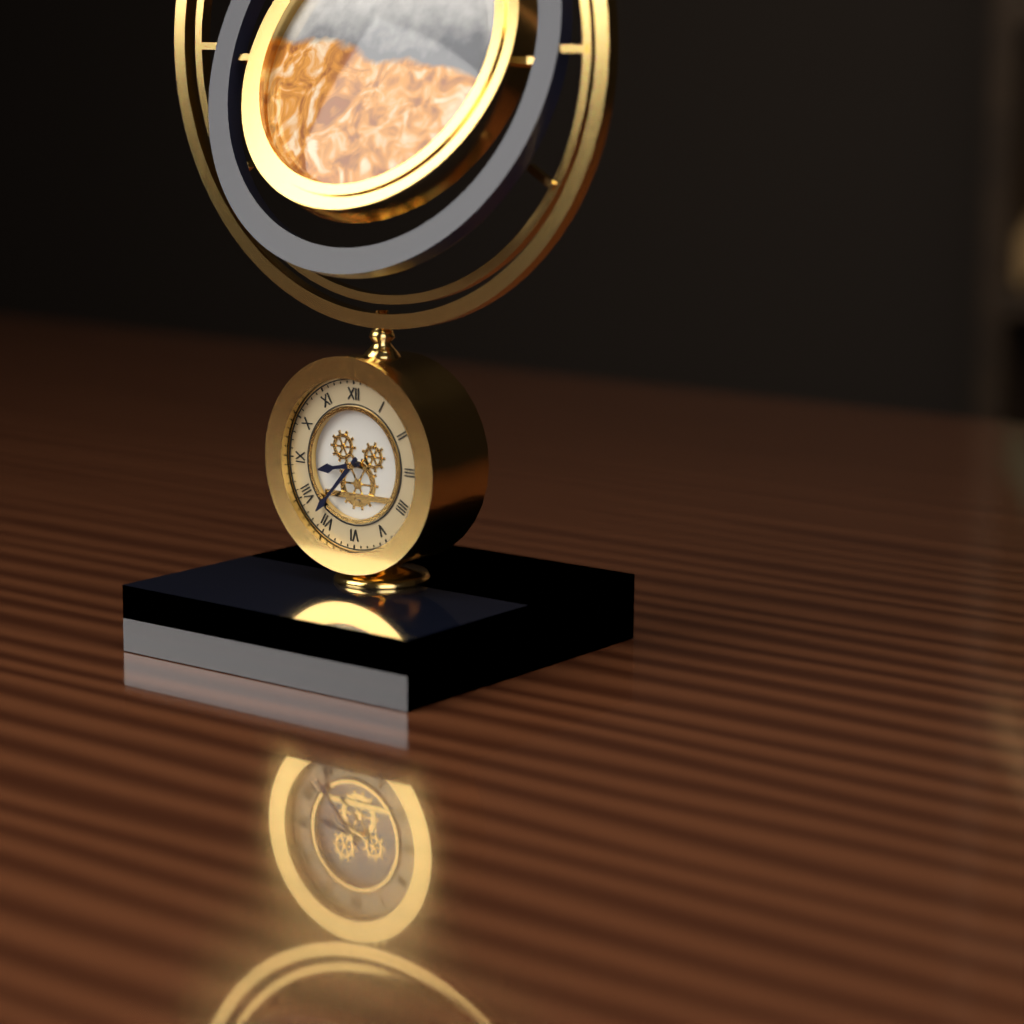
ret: {"hour": 8, "minute": 37}
